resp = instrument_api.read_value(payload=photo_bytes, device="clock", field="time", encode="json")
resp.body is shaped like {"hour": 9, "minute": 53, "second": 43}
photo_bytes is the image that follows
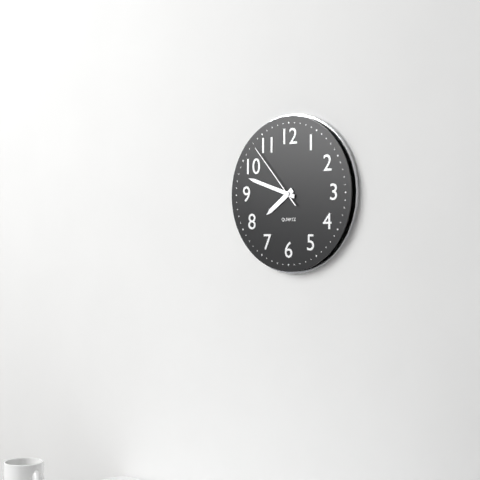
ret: {"hour": 7, "minute": 48, "second": 53}
